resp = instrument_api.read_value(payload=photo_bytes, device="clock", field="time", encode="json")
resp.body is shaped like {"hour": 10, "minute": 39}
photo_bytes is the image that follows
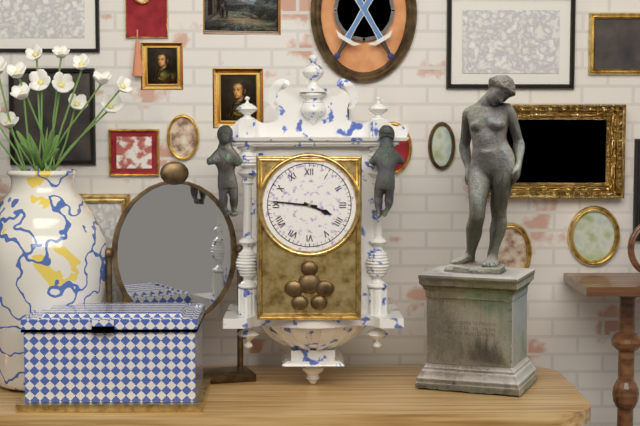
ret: {"hour": 3, "minute": 46}
